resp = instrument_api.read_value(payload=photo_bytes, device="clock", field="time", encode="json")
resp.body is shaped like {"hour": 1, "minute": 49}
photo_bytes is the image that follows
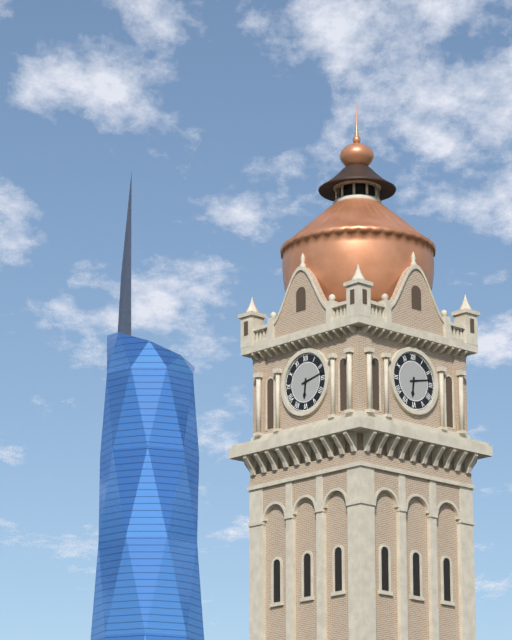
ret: {"hour": 6, "minute": 13}
